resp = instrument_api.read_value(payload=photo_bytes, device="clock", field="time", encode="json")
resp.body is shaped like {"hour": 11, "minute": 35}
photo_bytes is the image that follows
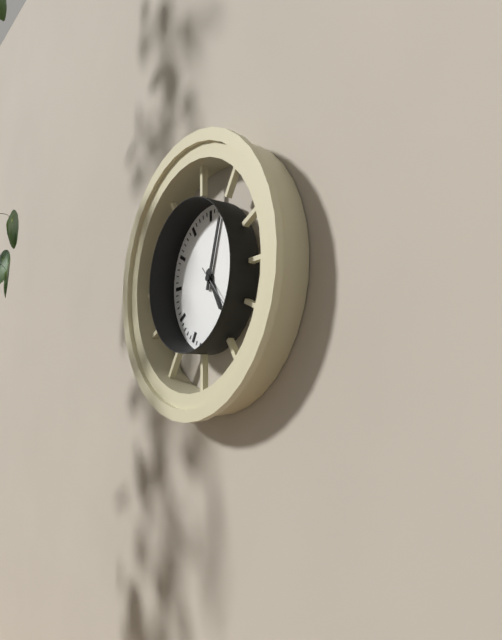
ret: {"hour": 5, "minute": 3}
